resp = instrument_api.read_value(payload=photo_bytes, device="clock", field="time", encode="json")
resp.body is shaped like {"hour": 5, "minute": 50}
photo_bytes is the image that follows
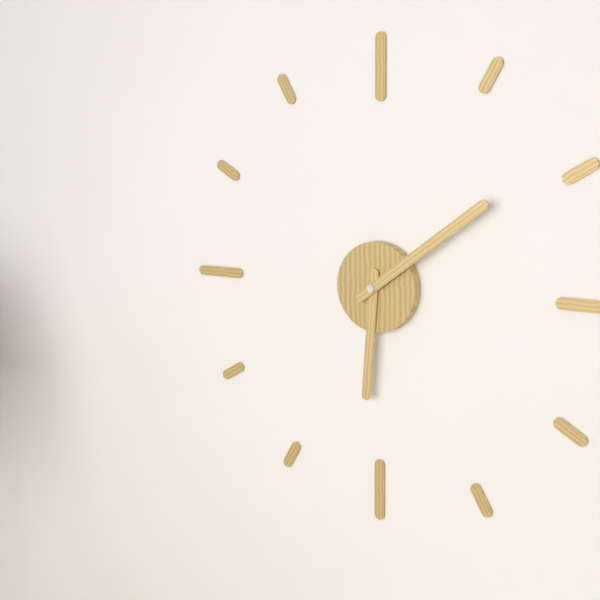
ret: {"hour": 6, "minute": 9}
